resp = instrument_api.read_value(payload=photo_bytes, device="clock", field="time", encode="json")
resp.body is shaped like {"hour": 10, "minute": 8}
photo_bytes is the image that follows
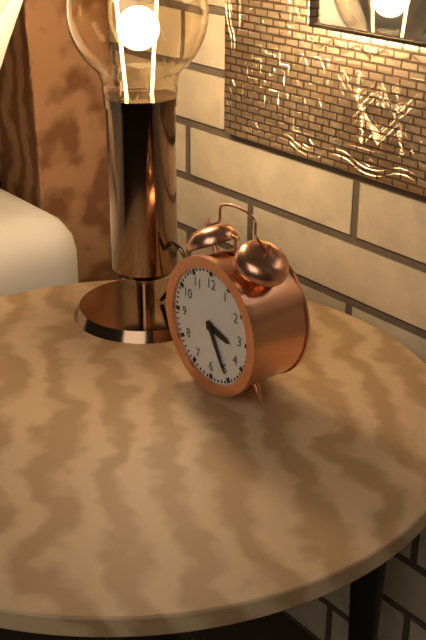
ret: {"hour": 3, "minute": 25}
